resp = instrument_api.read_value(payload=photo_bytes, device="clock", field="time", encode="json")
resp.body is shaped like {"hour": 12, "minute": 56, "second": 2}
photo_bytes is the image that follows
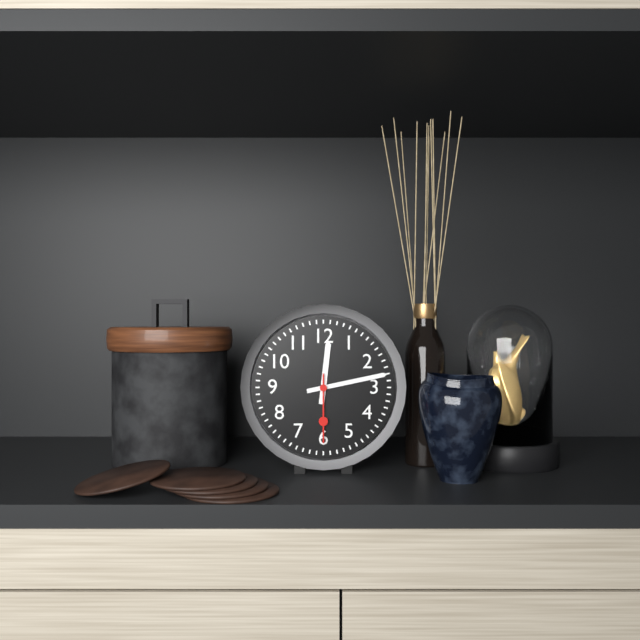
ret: {"hour": 12, "minute": 13, "second": 30}
